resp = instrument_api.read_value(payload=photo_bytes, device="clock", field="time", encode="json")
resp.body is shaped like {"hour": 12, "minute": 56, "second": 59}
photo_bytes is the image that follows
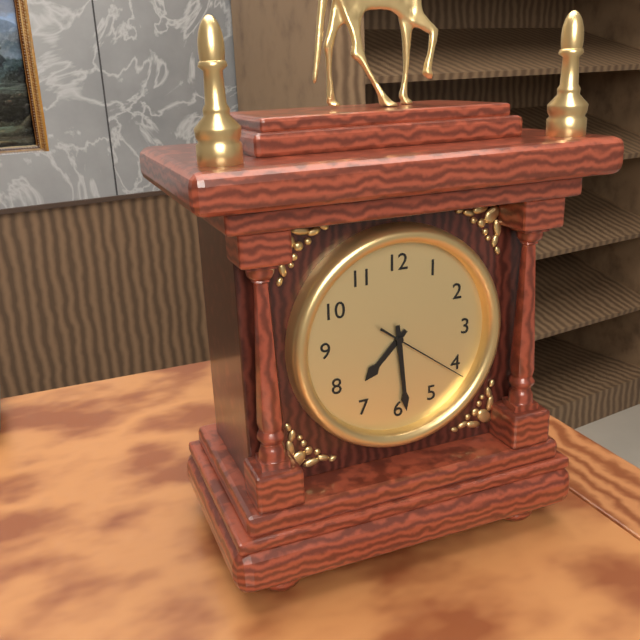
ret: {"hour": 7, "minute": 29, "second": 21}
